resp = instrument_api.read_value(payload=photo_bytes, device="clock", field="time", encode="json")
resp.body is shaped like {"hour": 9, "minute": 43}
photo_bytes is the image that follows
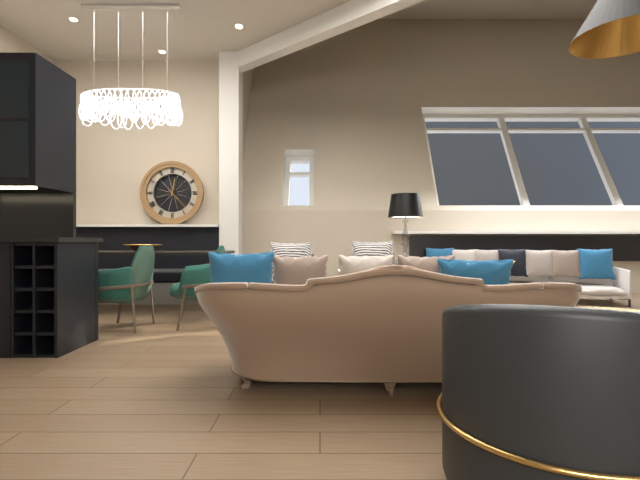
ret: {"hour": 12, "minute": 23}
